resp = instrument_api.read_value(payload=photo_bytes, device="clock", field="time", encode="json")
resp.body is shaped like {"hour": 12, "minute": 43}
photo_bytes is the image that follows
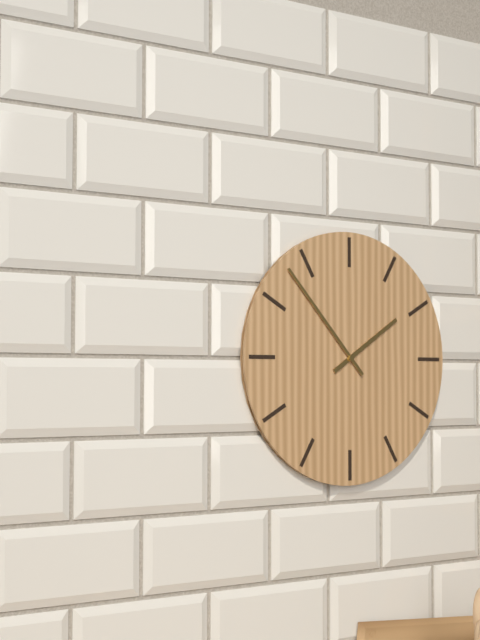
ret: {"hour": 1, "minute": 53}
